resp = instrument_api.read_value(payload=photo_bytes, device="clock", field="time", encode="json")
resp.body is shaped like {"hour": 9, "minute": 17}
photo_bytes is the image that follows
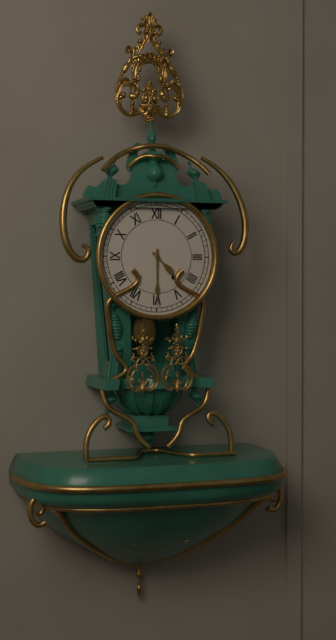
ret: {"hour": 4, "minute": 30}
